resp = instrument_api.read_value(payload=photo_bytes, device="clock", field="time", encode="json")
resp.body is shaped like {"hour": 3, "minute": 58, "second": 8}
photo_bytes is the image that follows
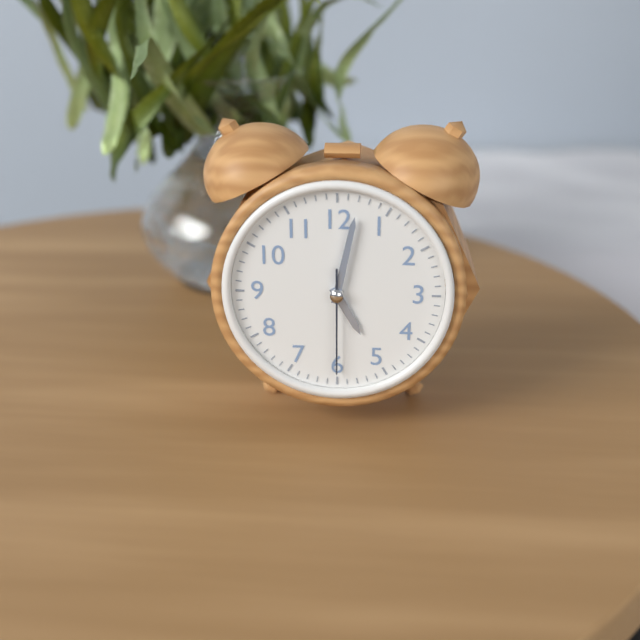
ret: {"hour": 5, "minute": 2, "second": 30}
